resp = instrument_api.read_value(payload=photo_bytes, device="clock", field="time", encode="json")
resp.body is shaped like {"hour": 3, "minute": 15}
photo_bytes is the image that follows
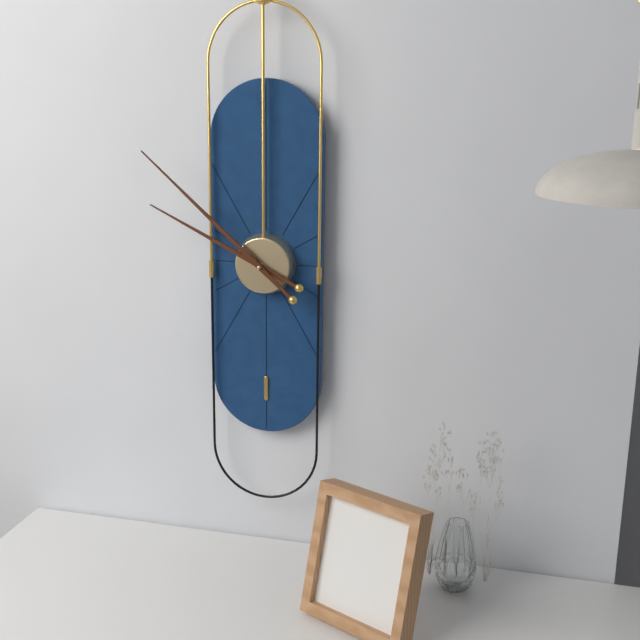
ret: {"hour": 9, "minute": 52}
